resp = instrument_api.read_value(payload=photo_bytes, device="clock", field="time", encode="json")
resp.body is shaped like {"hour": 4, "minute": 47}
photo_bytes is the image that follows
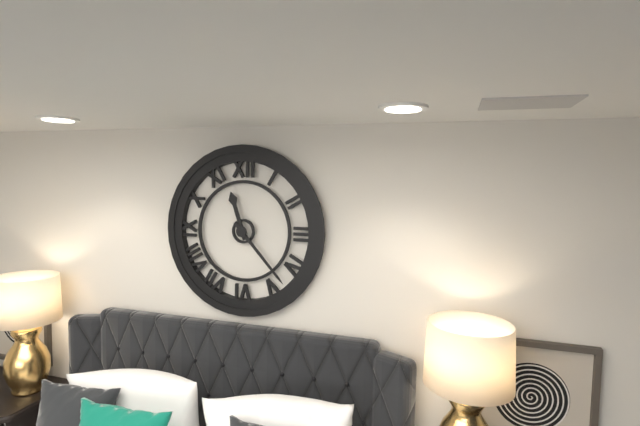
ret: {"hour": 11, "minute": 23}
